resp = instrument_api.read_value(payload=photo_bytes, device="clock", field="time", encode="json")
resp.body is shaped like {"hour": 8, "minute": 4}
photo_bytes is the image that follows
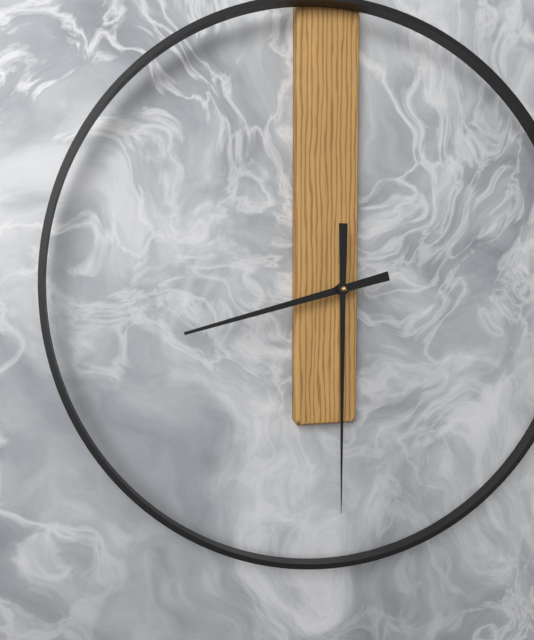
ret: {"hour": 8, "minute": 30}
